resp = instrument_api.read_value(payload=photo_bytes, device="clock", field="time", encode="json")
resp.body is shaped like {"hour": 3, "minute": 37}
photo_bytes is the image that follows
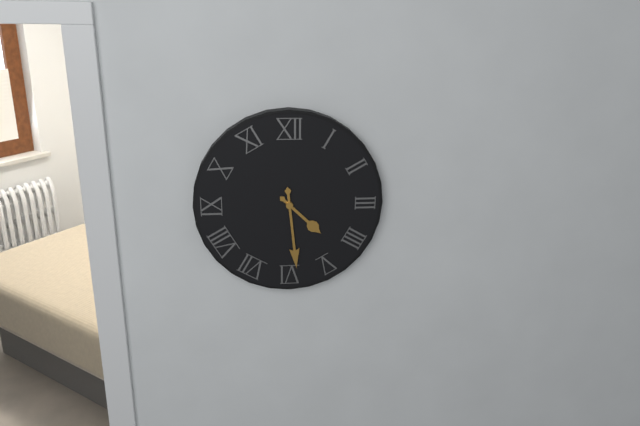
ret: {"hour": 4, "minute": 29}
